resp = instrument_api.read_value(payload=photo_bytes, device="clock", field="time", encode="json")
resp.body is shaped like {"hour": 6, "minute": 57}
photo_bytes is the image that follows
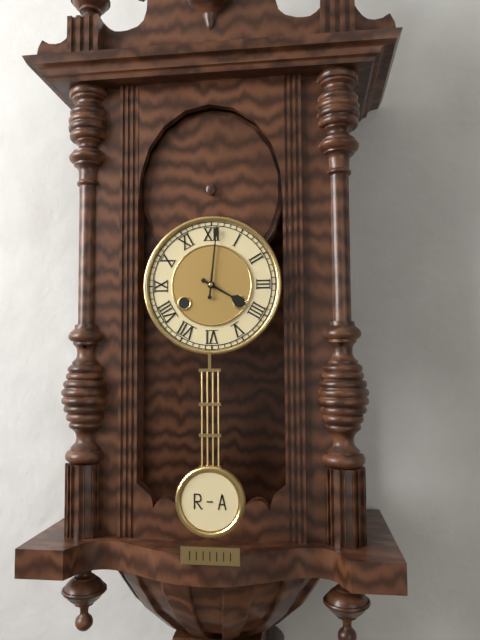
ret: {"hour": 4, "minute": 1}
